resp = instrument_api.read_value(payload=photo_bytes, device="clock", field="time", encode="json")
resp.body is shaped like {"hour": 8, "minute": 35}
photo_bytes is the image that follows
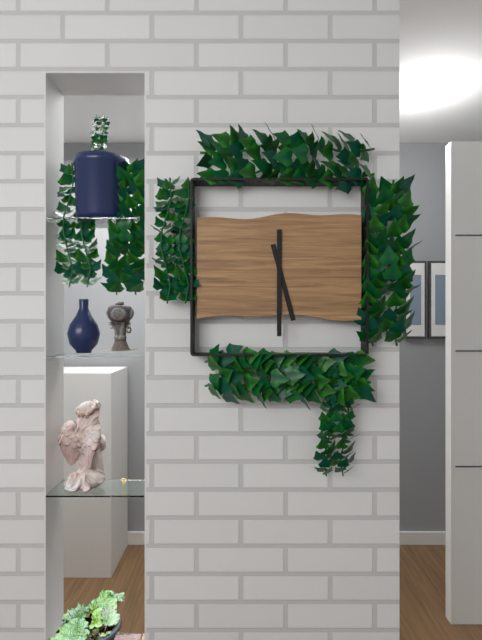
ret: {"hour": 5, "minute": 30}
